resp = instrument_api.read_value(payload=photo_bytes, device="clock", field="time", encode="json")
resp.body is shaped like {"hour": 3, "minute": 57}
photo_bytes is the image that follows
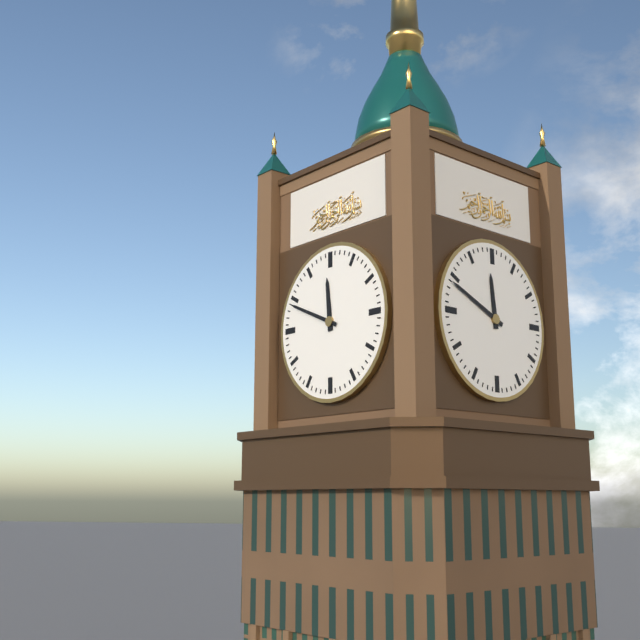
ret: {"hour": 11, "minute": 49}
